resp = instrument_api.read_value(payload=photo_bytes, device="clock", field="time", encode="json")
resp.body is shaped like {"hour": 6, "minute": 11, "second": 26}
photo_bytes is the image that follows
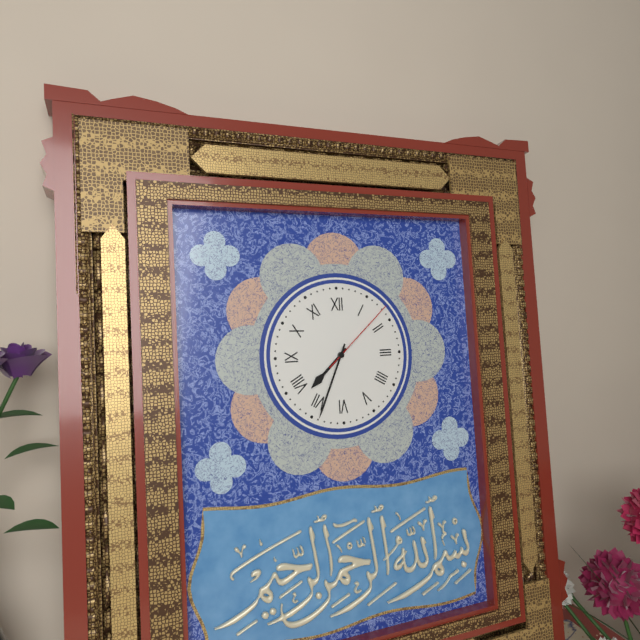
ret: {"hour": 7, "minute": 34, "second": 8}
